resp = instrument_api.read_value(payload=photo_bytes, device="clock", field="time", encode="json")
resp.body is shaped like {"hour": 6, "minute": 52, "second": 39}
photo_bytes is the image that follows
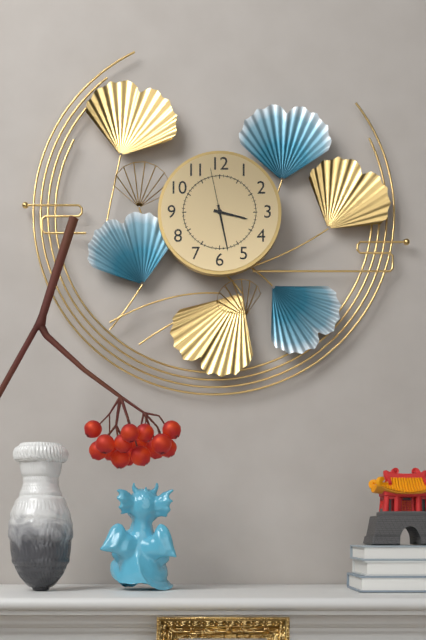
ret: {"hour": 3, "minute": 28, "second": 58}
